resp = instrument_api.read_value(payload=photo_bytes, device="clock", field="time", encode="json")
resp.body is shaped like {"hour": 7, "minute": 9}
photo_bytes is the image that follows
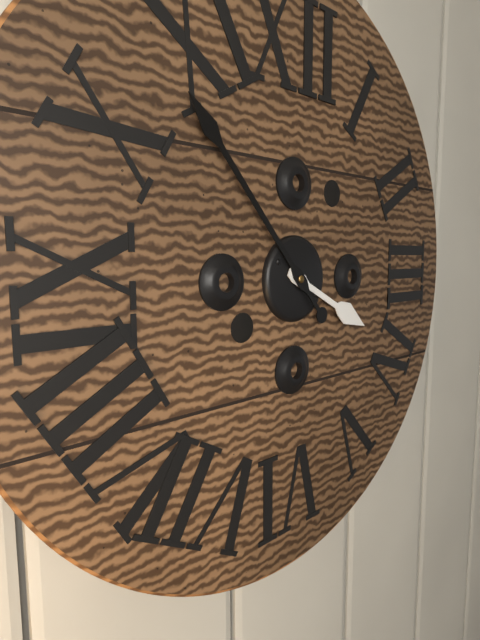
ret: {"hour": 3, "minute": 53}
